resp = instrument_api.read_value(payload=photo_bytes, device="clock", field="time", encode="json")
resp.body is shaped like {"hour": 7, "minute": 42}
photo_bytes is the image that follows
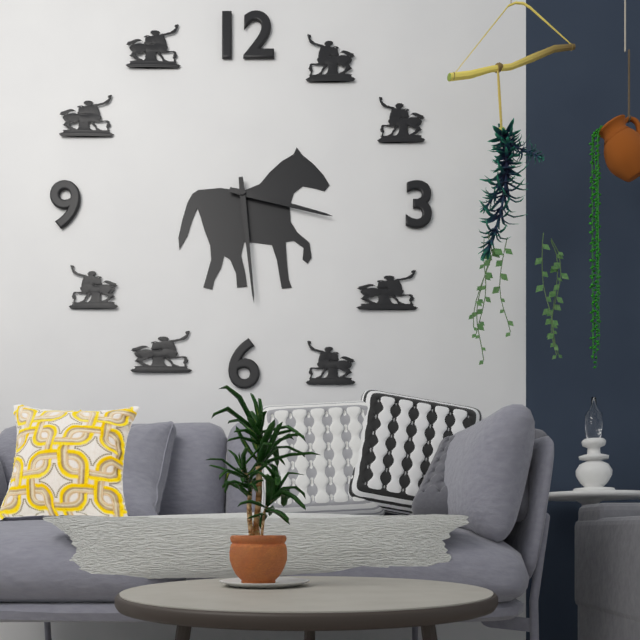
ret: {"hour": 3, "minute": 29}
